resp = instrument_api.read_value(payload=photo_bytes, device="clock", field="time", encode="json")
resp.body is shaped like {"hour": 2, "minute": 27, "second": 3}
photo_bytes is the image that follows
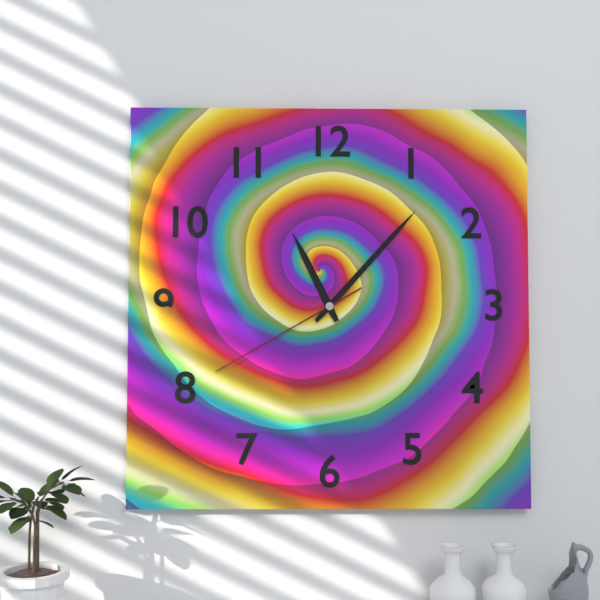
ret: {"hour": 11, "minute": 7, "second": 40}
